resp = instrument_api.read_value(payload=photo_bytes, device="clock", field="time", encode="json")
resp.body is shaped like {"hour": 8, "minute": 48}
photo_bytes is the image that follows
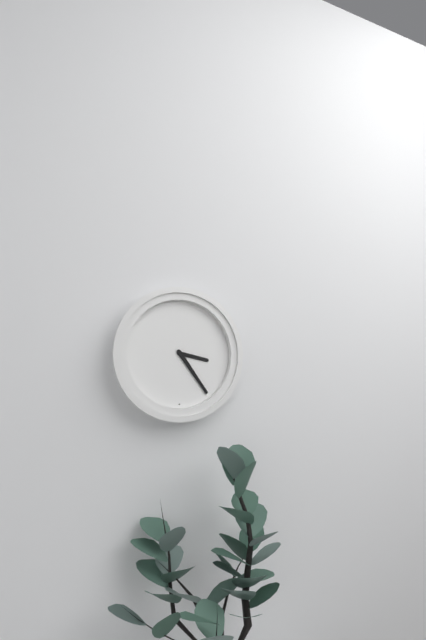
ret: {"hour": 3, "minute": 24}
